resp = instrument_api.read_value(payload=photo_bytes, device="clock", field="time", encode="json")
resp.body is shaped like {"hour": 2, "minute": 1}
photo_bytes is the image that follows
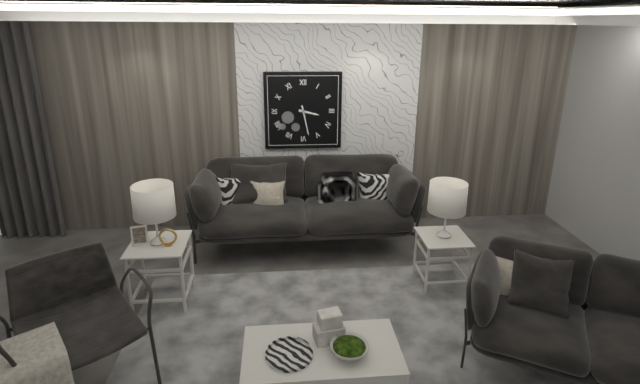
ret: {"hour": 3, "minute": 28}
